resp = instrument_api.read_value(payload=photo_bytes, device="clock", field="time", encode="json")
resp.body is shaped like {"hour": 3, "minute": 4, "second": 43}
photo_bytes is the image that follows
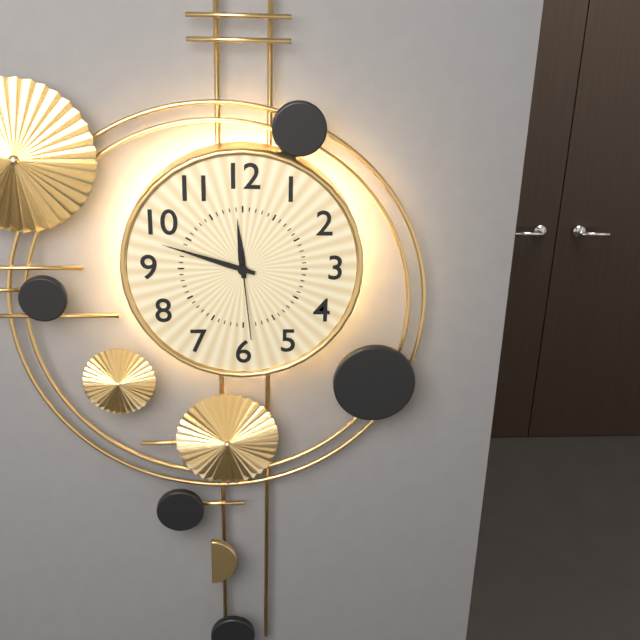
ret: {"hour": 11, "minute": 48, "second": 29}
